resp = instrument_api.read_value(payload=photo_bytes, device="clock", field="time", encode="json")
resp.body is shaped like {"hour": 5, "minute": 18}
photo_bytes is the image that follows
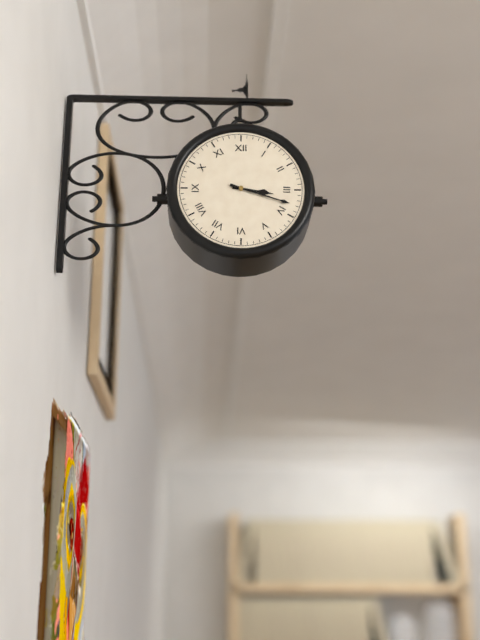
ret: {"hour": 3, "minute": 18}
